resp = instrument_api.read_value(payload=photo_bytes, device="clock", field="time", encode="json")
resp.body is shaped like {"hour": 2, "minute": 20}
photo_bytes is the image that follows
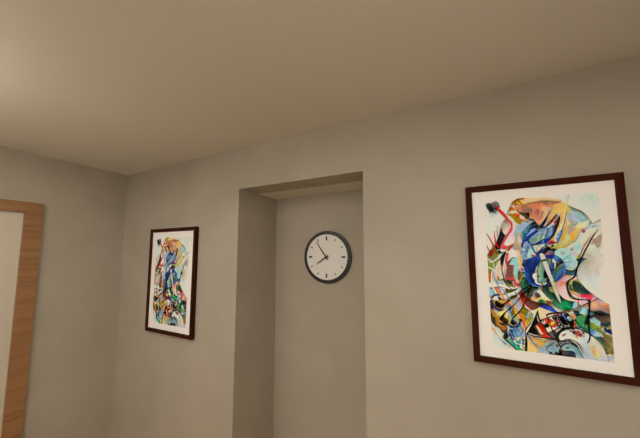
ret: {"hour": 7, "minute": 54}
